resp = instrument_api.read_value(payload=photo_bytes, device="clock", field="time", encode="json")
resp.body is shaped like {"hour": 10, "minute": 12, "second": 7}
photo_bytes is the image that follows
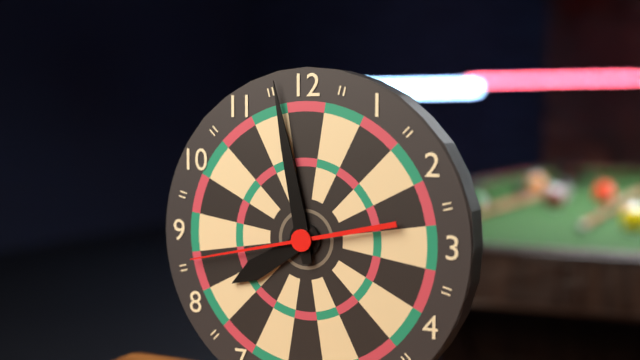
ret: {"hour": 7, "minute": 58, "second": 43}
